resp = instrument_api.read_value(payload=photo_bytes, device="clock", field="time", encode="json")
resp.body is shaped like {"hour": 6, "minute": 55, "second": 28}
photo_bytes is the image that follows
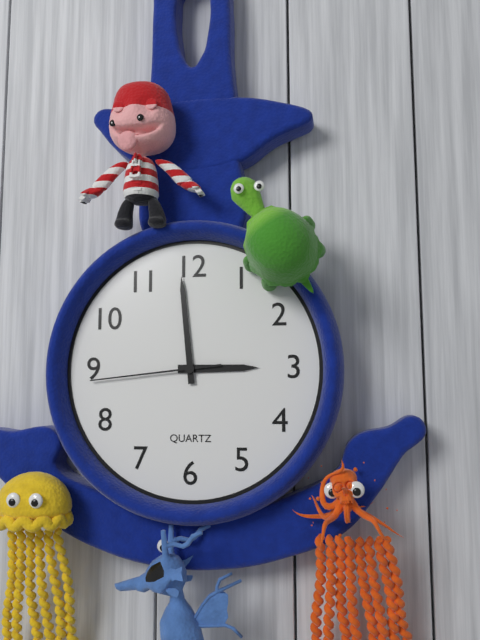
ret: {"hour": 2, "minute": 59, "second": 44}
